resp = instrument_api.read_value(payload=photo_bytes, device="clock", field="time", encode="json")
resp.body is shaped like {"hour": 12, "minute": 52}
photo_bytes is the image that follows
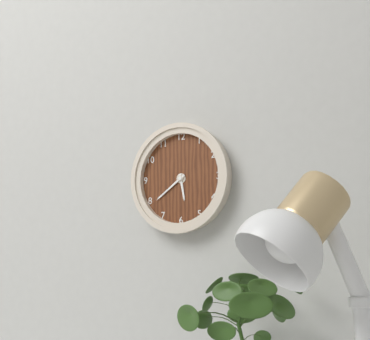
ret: {"hour": 5, "minute": 39}
